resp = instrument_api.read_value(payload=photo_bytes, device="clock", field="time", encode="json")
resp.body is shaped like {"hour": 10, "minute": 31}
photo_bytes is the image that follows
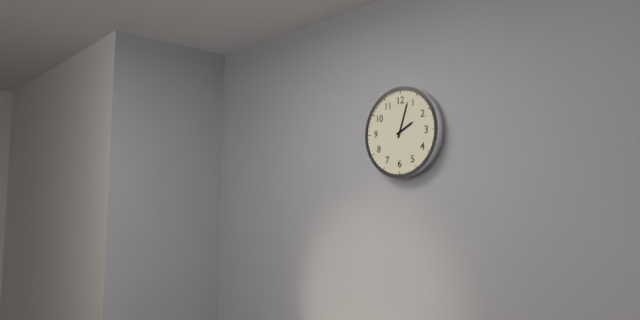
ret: {"hour": 2, "minute": 3}
